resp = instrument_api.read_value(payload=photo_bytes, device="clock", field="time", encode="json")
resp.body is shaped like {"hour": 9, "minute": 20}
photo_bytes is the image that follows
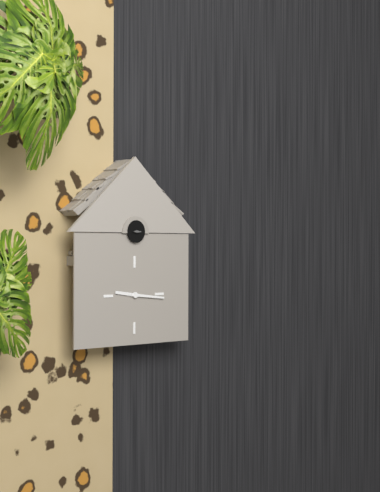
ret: {"hour": 9, "minute": 16}
